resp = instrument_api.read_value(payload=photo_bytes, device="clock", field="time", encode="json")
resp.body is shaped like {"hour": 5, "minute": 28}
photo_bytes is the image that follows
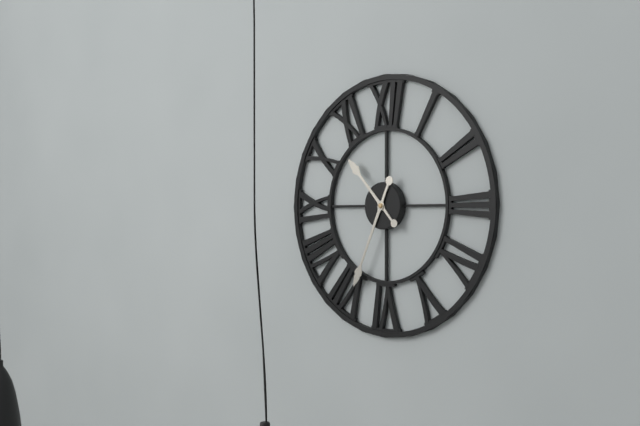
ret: {"hour": 10, "minute": 34}
